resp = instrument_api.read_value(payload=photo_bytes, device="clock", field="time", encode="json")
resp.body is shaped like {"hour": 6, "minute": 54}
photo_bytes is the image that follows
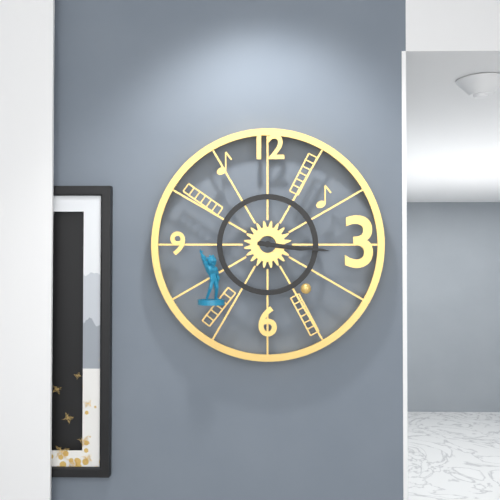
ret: {"hour": 3, "minute": 16}
